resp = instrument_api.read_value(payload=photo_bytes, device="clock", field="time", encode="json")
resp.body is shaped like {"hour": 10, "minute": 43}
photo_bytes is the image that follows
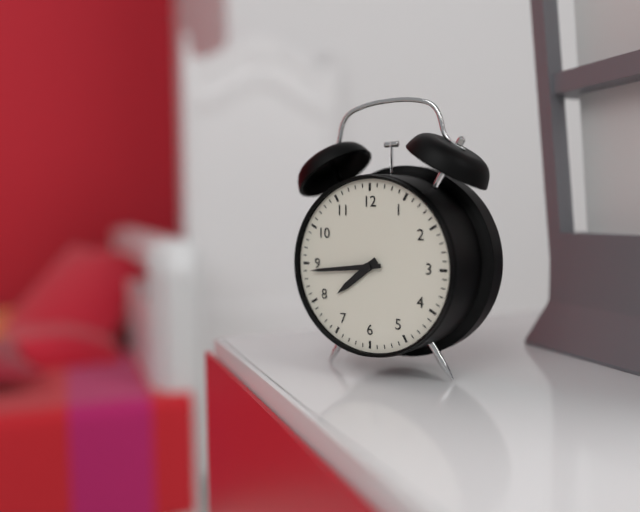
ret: {"hour": 7, "minute": 44}
